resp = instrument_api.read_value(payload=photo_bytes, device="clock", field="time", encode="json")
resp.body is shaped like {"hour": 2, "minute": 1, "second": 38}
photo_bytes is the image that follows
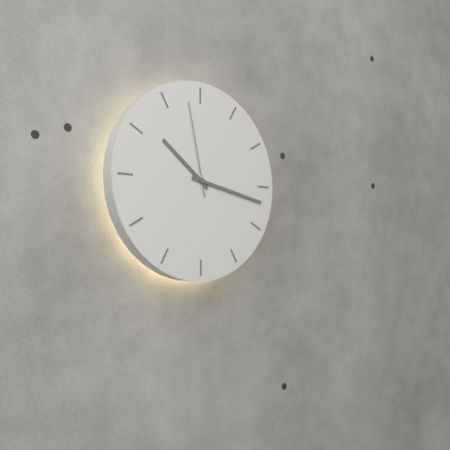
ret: {"hour": 10, "minute": 17, "second": 58}
